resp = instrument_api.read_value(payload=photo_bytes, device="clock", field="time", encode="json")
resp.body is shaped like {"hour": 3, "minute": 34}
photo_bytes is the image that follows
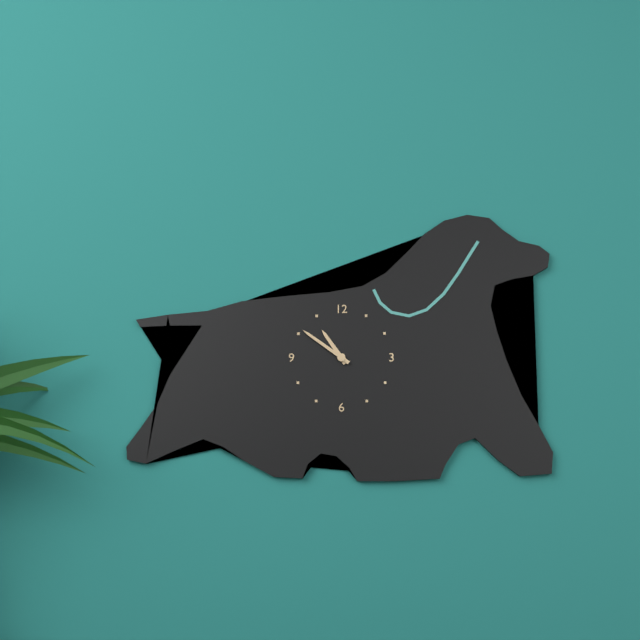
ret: {"hour": 10, "minute": 51}
